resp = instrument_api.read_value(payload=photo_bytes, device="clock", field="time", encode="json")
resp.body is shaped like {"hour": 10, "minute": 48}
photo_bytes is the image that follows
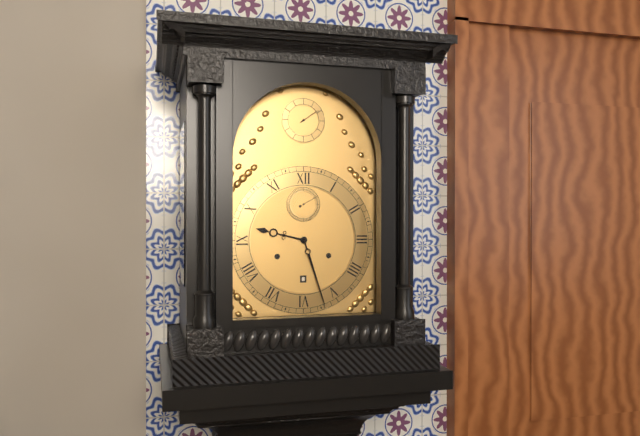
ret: {"hour": 9, "minute": 27}
